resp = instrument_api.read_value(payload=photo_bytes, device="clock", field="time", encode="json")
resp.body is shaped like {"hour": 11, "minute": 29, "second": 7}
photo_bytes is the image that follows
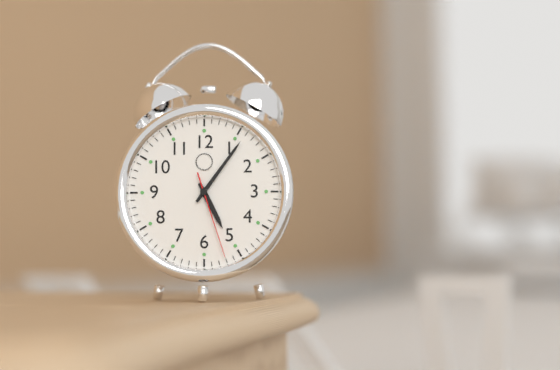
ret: {"hour": 5, "minute": 6, "second": 27}
